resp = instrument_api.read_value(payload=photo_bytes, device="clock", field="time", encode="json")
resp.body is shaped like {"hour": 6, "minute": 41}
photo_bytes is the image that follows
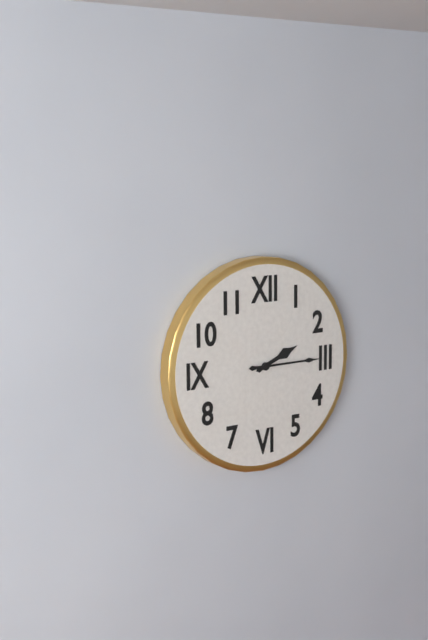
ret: {"hour": 2, "minute": 15}
